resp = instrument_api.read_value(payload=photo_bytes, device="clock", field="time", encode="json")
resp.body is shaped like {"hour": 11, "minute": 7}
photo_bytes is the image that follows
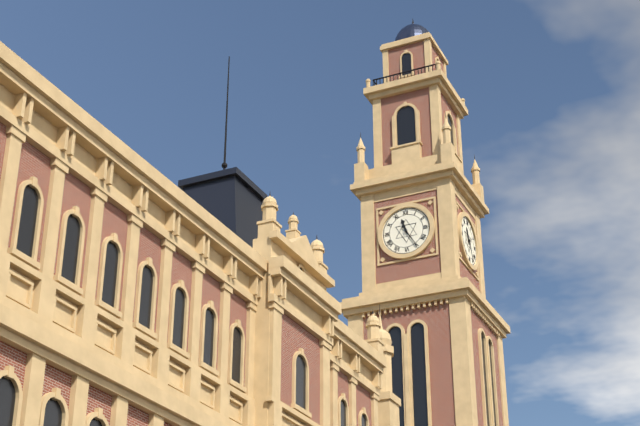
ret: {"hour": 11, "minute": 25}
